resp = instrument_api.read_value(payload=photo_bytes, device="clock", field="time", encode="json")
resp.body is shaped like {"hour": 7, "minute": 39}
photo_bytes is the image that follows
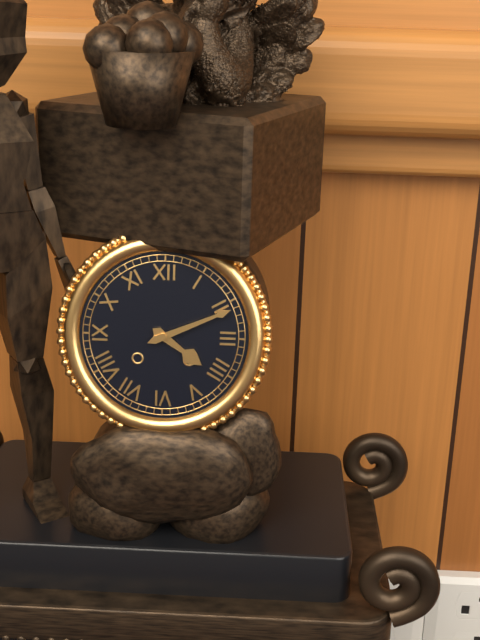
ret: {"hour": 4, "minute": 11}
